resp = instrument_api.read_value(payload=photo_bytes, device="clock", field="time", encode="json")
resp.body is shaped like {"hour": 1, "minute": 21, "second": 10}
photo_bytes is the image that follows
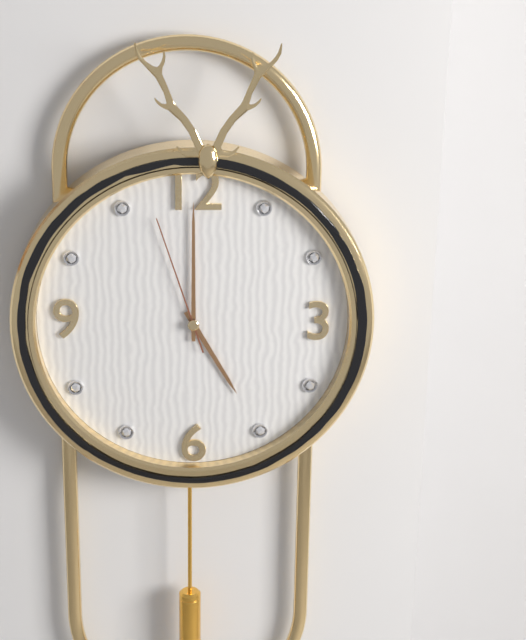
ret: {"hour": 5, "minute": 0, "second": 57}
